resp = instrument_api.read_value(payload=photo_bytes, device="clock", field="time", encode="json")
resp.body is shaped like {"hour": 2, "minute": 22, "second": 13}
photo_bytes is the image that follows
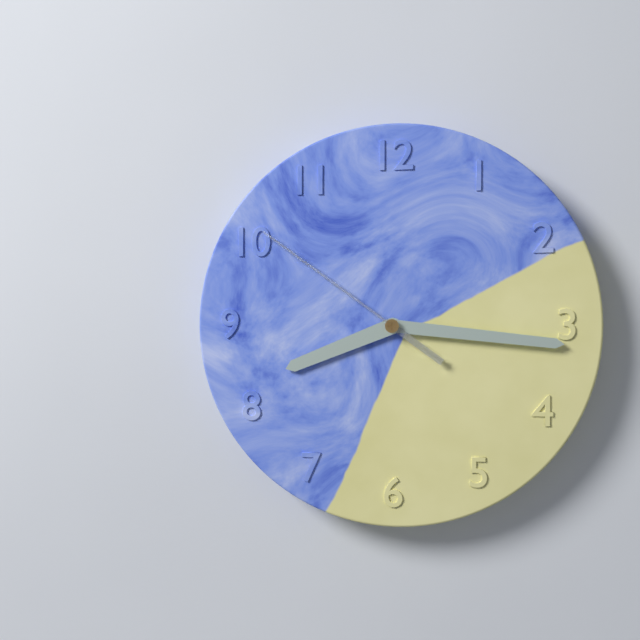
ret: {"hour": 8, "minute": 16, "second": 51}
